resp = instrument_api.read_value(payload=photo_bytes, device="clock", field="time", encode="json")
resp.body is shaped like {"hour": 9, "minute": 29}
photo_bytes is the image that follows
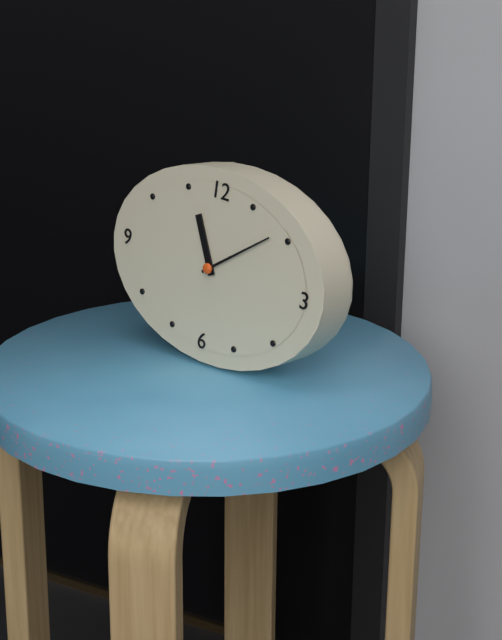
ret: {"hour": 11, "minute": 9}
